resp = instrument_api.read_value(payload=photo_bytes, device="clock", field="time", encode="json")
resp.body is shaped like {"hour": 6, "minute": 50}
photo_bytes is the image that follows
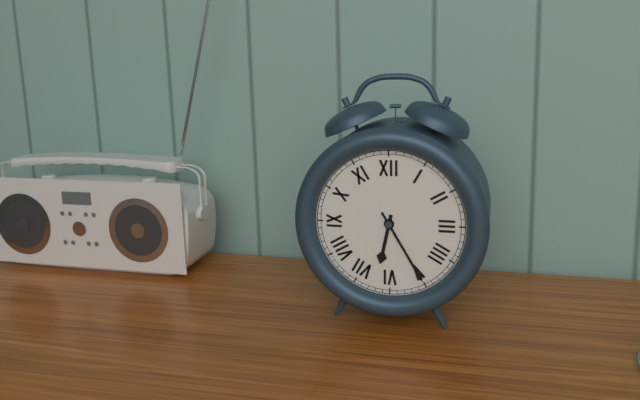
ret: {"hour": 6, "minute": 25}
